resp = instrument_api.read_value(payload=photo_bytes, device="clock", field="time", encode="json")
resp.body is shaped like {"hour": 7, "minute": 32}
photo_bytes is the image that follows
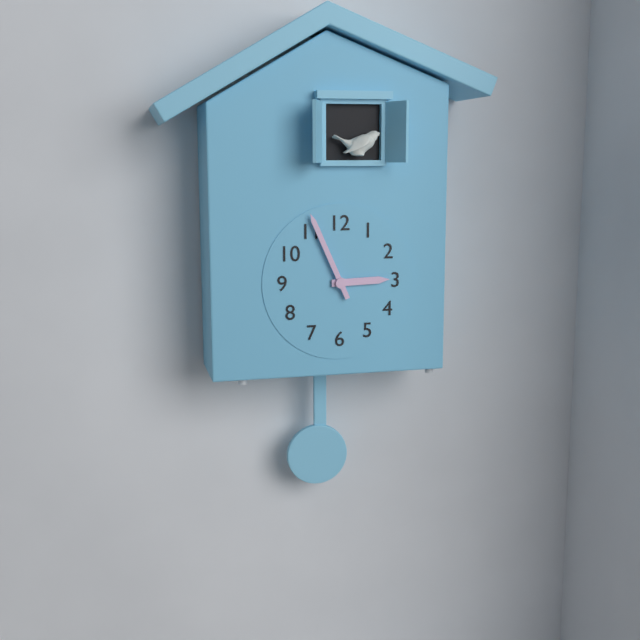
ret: {"hour": 2, "minute": 56}
